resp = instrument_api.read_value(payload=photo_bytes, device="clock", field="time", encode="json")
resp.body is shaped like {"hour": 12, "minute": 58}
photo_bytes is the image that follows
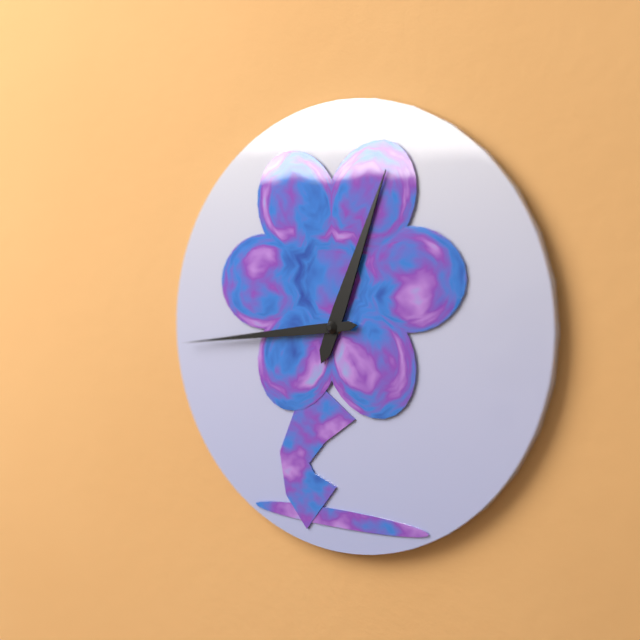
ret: {"hour": 12, "minute": 44}
